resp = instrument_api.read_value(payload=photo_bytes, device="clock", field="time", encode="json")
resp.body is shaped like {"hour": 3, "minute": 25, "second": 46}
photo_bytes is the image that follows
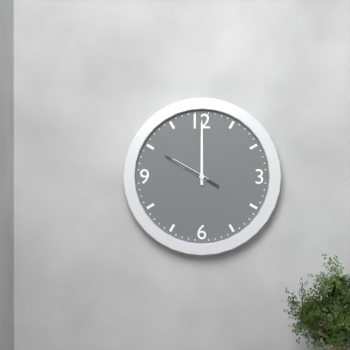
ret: {"hour": 10, "minute": 0, "second": 50}
